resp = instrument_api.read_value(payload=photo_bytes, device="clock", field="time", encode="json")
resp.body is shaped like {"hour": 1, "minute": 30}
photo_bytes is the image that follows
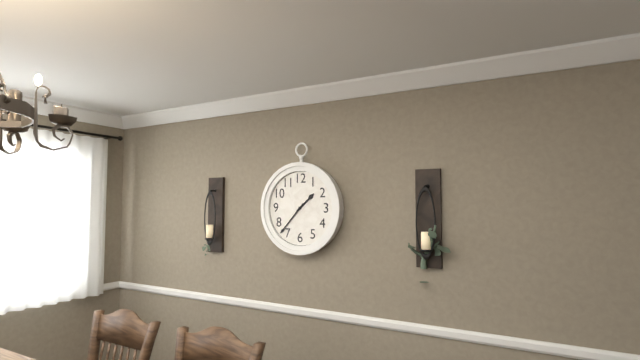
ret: {"hour": 1, "minute": 37}
